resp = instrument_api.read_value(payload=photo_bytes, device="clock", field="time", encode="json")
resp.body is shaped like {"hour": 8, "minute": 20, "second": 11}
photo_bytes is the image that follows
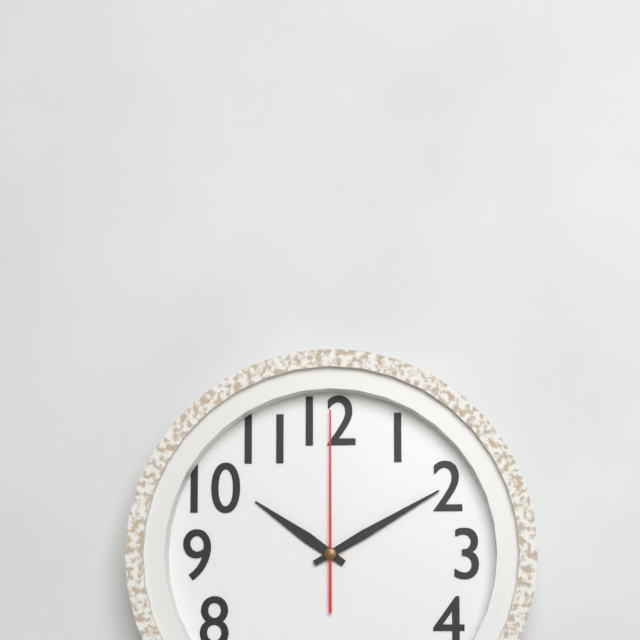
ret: {"hour": 10, "minute": 10, "second": 0}
